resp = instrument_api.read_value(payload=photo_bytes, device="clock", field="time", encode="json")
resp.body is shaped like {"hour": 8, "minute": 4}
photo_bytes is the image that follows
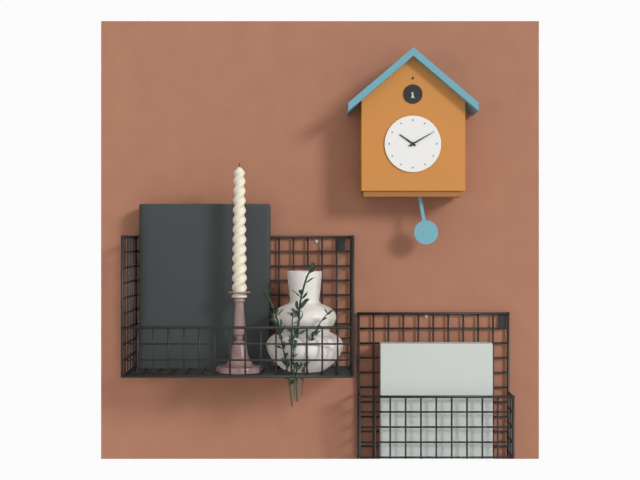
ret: {"hour": 10, "minute": 10}
